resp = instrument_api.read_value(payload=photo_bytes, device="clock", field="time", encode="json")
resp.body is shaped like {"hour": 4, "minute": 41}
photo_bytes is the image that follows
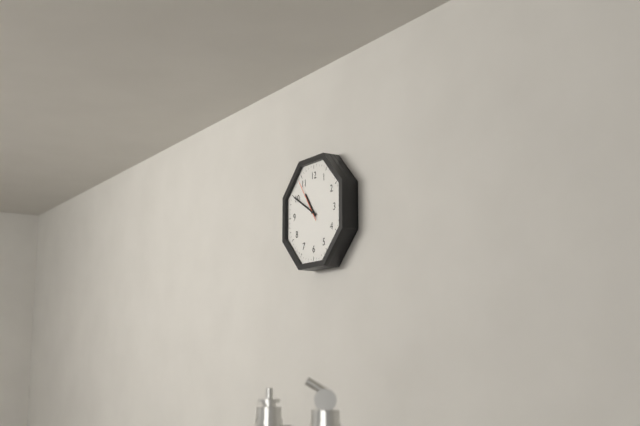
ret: {"hour": 10, "minute": 50}
